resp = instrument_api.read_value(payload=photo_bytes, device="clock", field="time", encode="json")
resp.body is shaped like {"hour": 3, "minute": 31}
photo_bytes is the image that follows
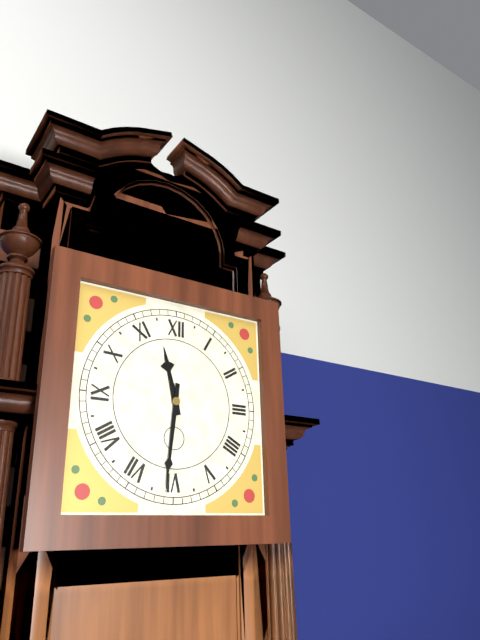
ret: {"hour": 11, "minute": 31}
